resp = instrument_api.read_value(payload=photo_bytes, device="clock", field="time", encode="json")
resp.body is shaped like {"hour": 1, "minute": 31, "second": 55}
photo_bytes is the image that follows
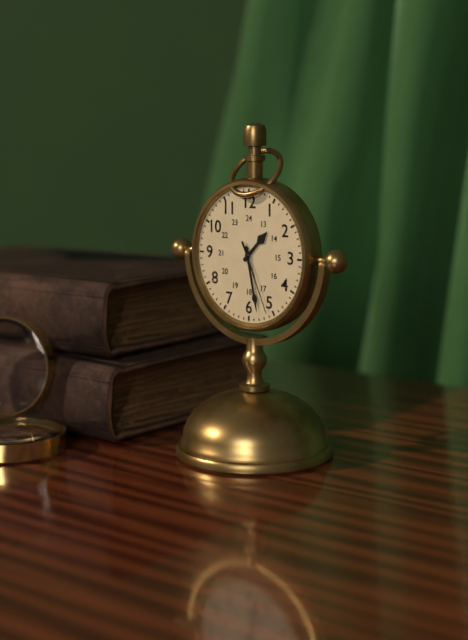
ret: {"hour": 1, "minute": 28, "second": 26}
